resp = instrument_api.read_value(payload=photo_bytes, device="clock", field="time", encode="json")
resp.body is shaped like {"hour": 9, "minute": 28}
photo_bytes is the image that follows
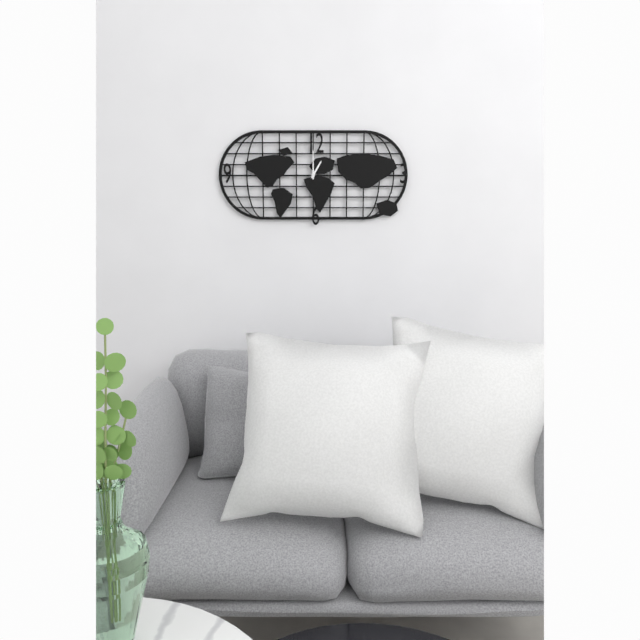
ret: {"hour": 1, "minute": 0}
